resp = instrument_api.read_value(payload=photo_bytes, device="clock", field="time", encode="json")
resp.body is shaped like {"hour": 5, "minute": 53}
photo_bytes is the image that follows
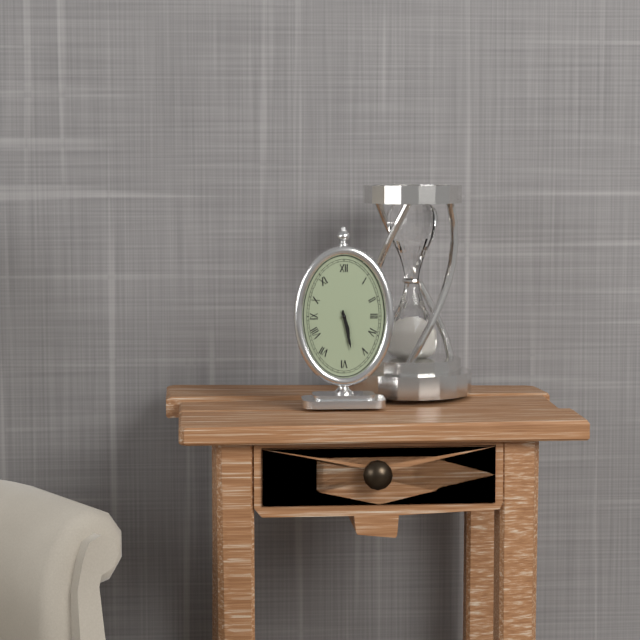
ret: {"hour": 5, "minute": 28}
